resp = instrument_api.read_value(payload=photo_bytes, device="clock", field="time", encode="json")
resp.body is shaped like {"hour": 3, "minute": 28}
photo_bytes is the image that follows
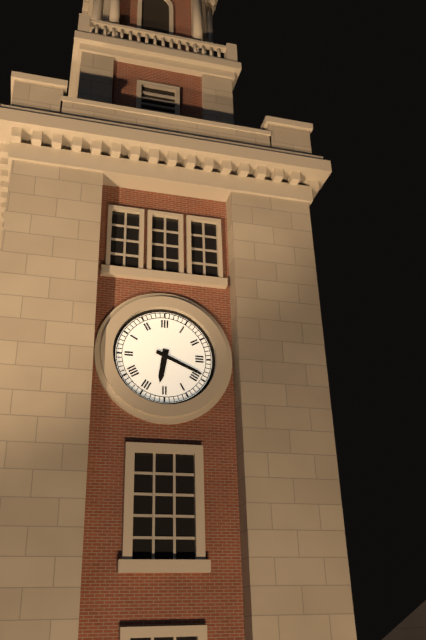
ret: {"hour": 6, "minute": 19}
